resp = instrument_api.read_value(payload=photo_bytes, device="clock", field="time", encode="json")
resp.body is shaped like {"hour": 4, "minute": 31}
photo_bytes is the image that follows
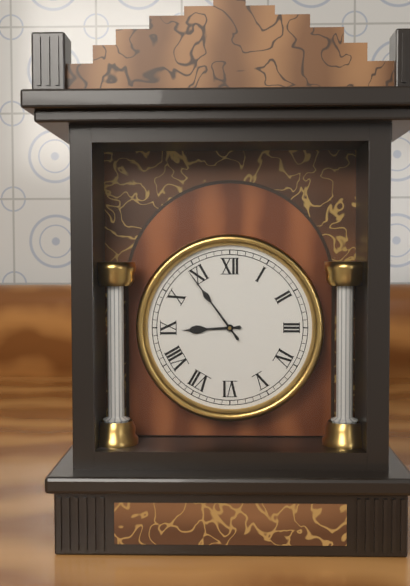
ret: {"hour": 8, "minute": 54}
